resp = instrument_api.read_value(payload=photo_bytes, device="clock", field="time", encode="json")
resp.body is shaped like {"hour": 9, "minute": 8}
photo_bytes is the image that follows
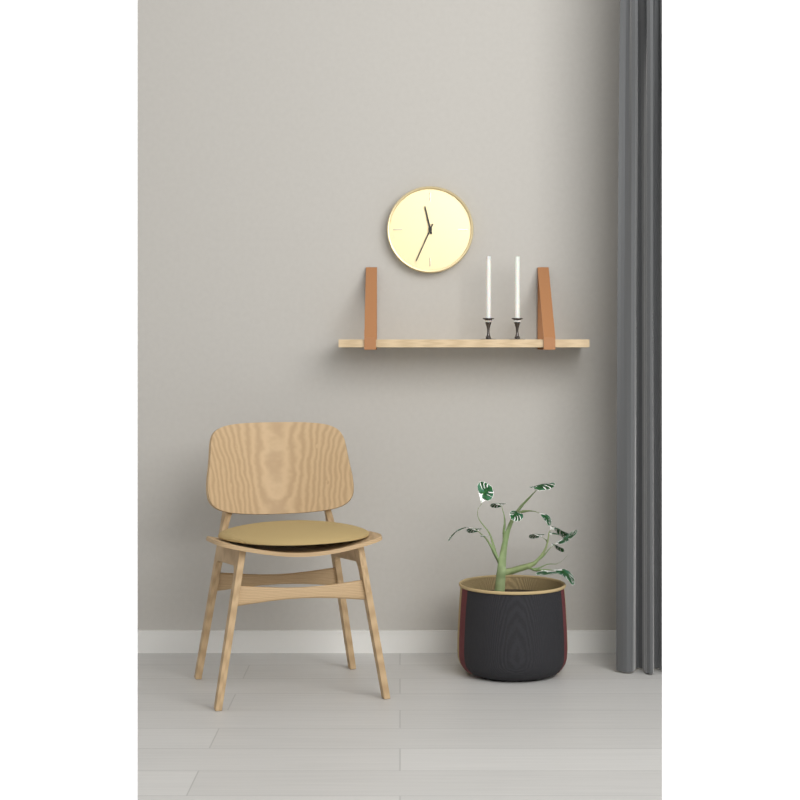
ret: {"hour": 11, "minute": 34}
